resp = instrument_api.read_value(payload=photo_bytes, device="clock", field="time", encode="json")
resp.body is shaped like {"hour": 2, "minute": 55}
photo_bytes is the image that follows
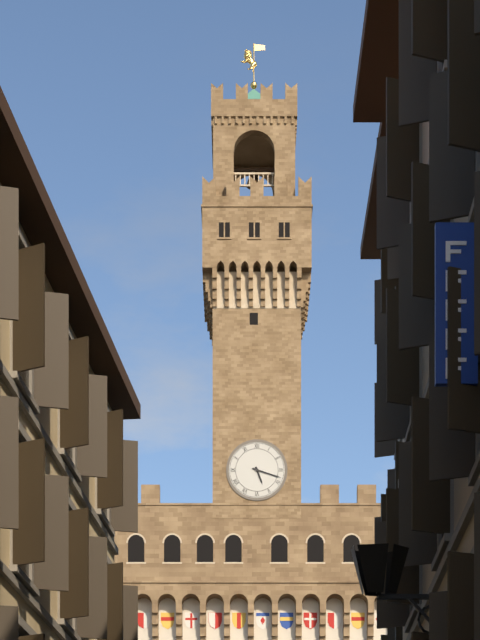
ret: {"hour": 5, "minute": 18}
